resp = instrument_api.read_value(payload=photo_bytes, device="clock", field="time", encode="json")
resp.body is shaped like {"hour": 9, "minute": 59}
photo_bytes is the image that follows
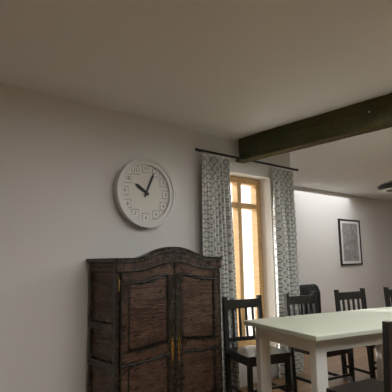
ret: {"hour": 10, "minute": 4}
